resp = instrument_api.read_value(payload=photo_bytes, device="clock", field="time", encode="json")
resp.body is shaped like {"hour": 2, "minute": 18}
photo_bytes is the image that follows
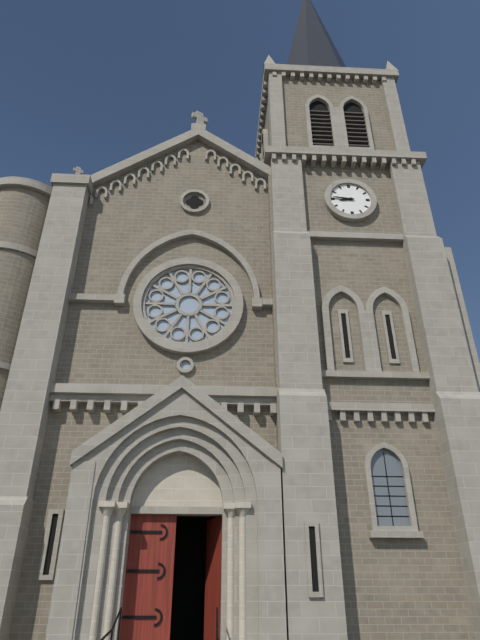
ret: {"hour": 8, "minute": 46}
